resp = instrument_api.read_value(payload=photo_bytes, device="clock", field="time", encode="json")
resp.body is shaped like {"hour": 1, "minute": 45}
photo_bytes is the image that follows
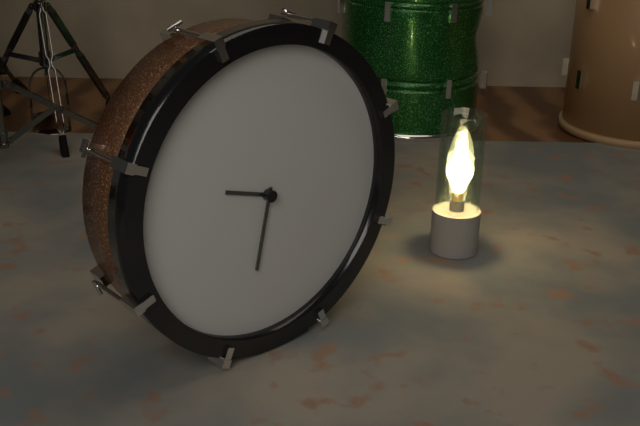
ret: {"hour": 9, "minute": 32}
